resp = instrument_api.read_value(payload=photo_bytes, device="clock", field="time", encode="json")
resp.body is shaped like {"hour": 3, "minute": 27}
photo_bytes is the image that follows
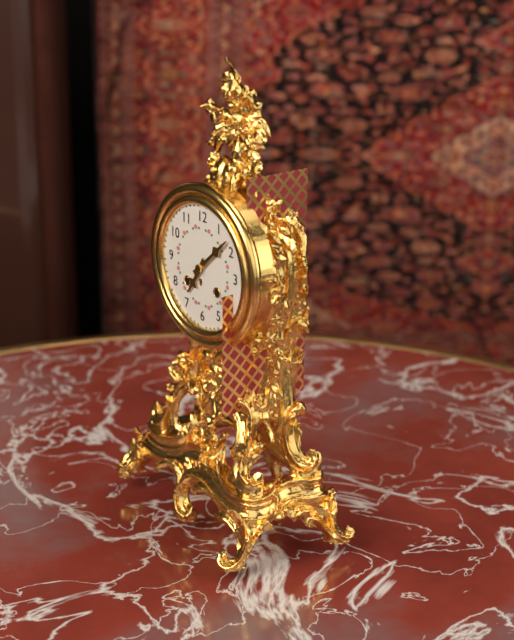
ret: {"hour": 7, "minute": 8}
